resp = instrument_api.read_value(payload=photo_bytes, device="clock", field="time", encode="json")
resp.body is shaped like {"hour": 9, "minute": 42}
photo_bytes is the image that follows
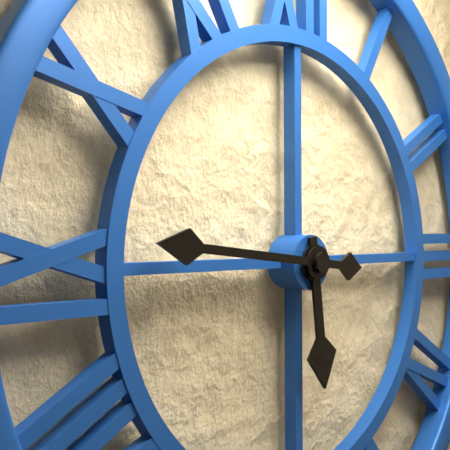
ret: {"hour": 5, "minute": 46}
